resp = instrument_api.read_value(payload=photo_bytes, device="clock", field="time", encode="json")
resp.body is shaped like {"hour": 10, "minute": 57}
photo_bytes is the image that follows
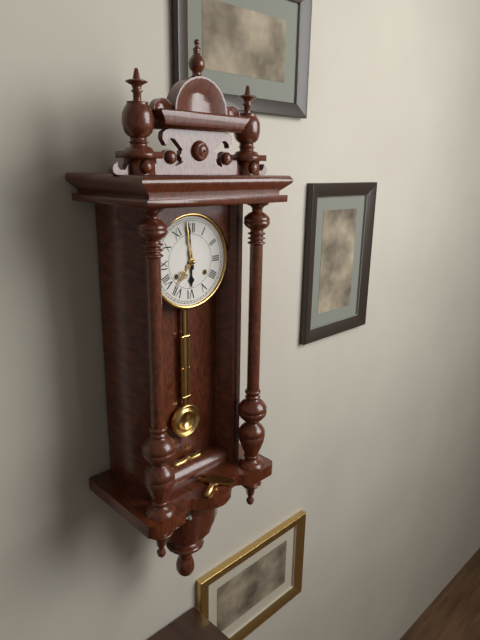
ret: {"hour": 5, "minute": 59}
